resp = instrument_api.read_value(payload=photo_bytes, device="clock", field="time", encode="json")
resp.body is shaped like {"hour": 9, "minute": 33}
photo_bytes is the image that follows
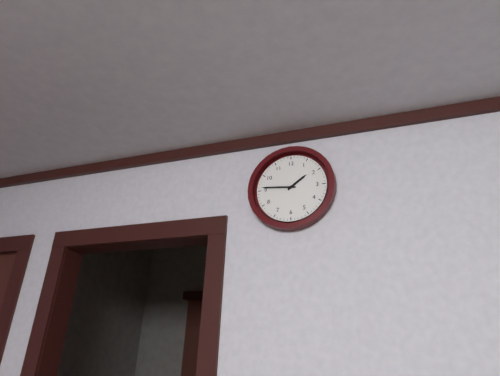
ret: {"hour": 1, "minute": 46}
